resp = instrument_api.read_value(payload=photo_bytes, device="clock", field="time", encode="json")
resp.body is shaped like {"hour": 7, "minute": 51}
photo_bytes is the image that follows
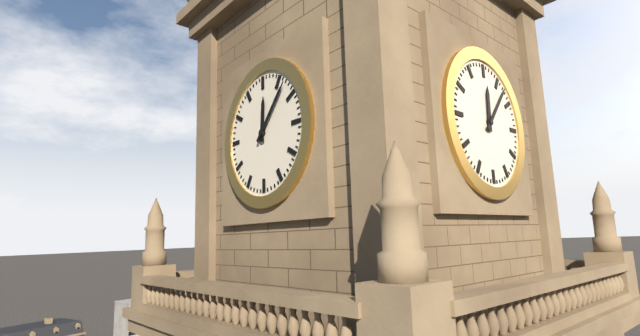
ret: {"hour": 12, "minute": 7}
